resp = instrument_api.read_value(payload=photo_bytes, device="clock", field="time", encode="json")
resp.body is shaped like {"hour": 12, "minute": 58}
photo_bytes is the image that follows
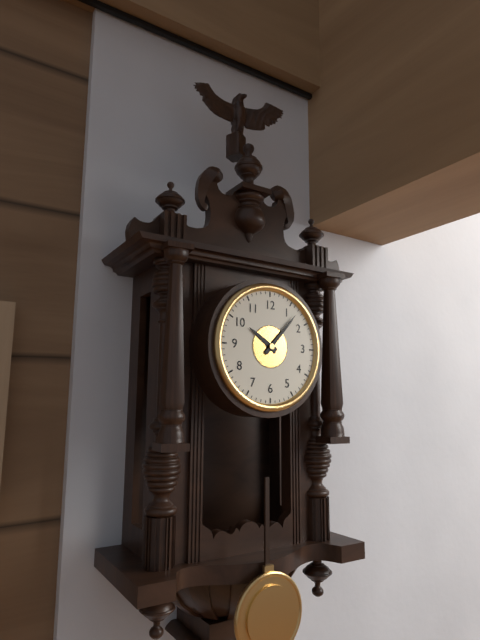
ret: {"hour": 10, "minute": 7}
